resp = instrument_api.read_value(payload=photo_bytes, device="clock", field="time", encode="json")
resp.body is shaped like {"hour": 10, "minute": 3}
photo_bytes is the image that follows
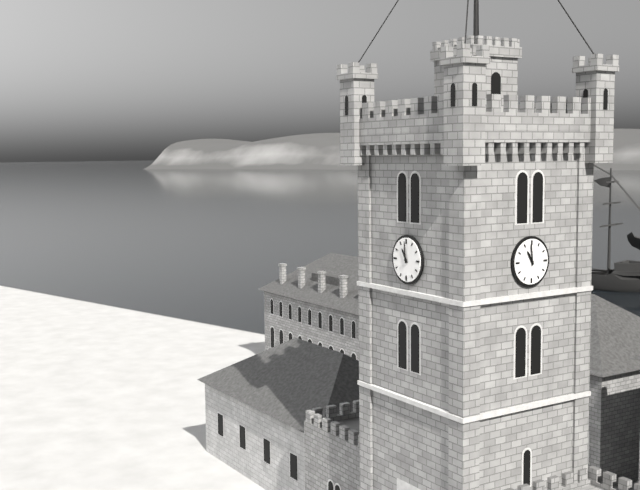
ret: {"hour": 10, "minute": 59}
